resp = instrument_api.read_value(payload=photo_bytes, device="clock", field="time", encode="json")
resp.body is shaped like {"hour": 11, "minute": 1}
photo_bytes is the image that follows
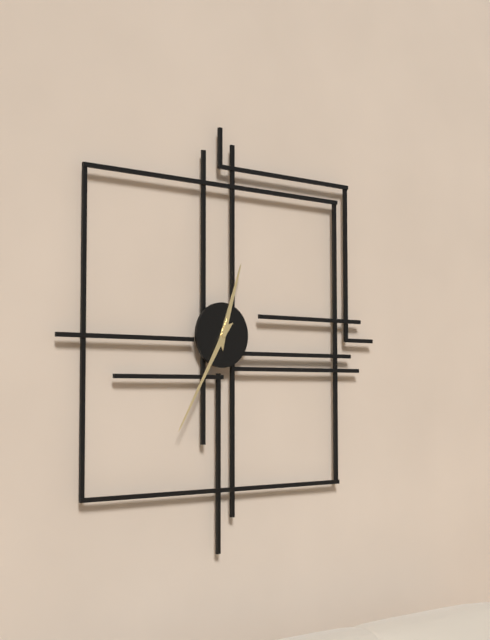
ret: {"hour": 12, "minute": 35}
